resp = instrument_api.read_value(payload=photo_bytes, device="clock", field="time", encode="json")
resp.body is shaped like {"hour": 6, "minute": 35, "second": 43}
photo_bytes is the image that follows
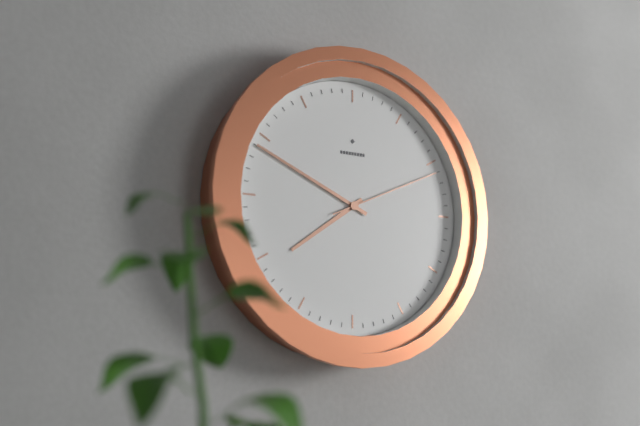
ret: {"hour": 7, "minute": 49, "second": 11}
